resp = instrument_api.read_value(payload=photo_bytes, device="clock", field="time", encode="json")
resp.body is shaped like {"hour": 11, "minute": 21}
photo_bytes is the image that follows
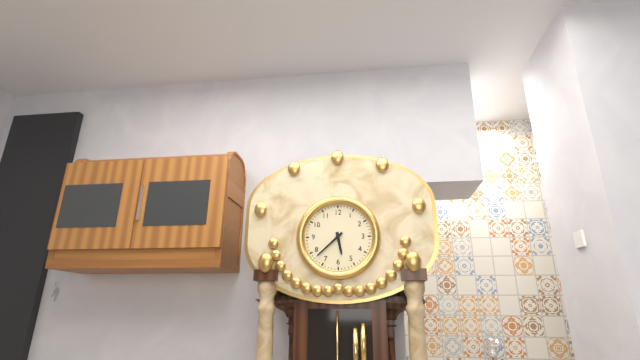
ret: {"hour": 5, "minute": 38}
